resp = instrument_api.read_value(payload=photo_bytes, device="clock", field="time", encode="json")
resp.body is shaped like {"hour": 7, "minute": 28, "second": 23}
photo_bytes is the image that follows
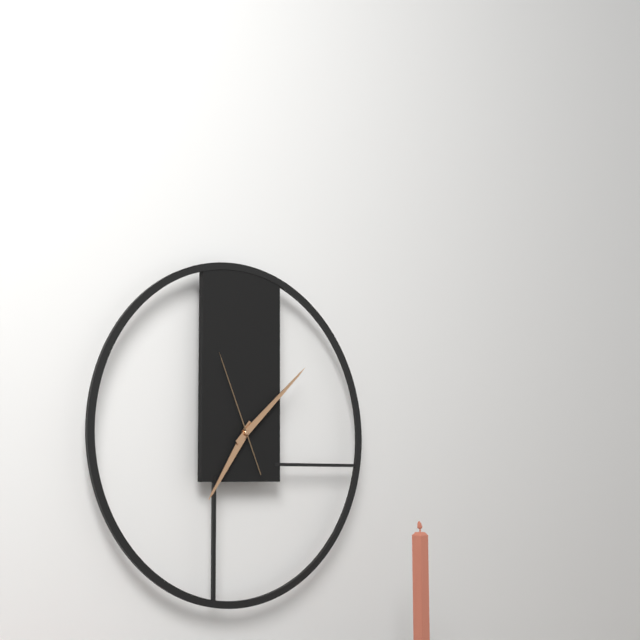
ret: {"hour": 7, "minute": 8, "second": 56}
